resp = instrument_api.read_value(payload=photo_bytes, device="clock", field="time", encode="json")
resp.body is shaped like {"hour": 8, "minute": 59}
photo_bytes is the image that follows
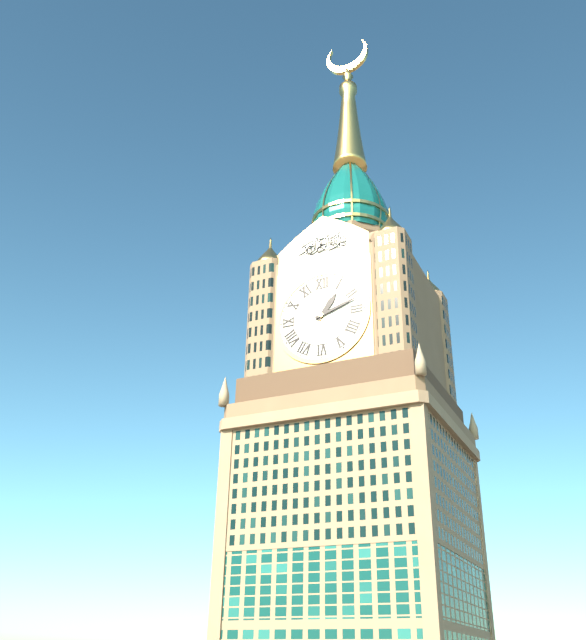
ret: {"hour": 1, "minute": 12}
